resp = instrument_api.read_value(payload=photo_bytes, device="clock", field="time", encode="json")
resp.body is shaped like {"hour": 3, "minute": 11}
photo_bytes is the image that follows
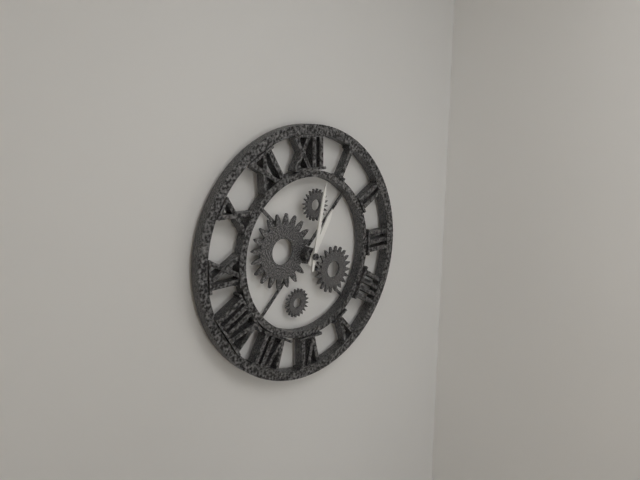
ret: {"hour": 1, "minute": 2}
